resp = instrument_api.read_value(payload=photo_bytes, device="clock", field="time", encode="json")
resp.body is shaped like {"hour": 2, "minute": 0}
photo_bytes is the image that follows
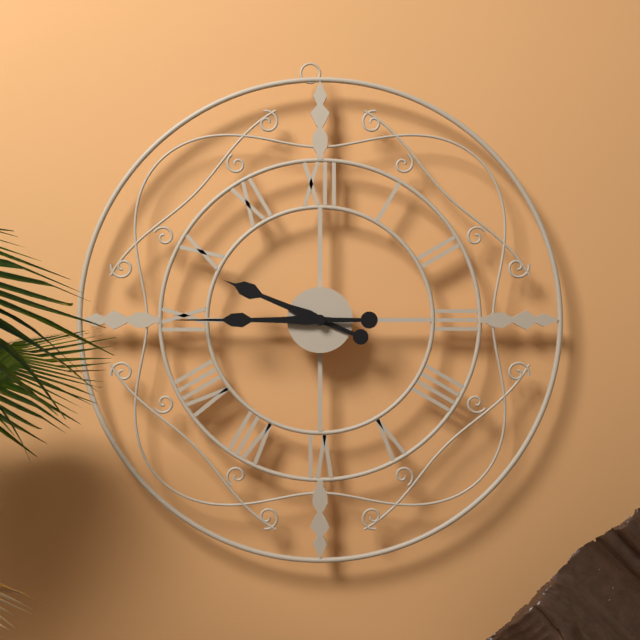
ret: {"hour": 9, "minute": 45}
